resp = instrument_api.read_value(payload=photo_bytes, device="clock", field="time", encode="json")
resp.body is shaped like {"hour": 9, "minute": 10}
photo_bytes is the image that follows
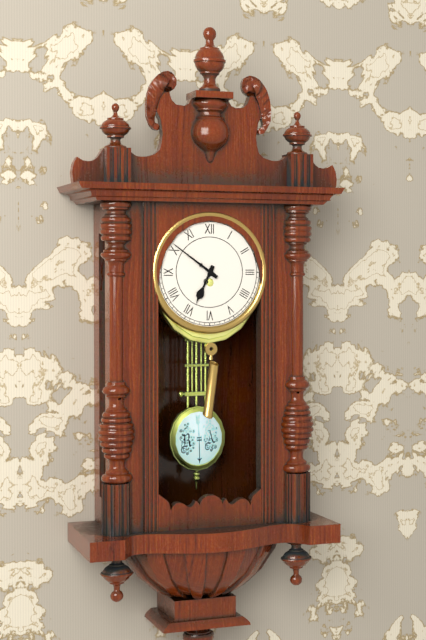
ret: {"hour": 6, "minute": 51}
